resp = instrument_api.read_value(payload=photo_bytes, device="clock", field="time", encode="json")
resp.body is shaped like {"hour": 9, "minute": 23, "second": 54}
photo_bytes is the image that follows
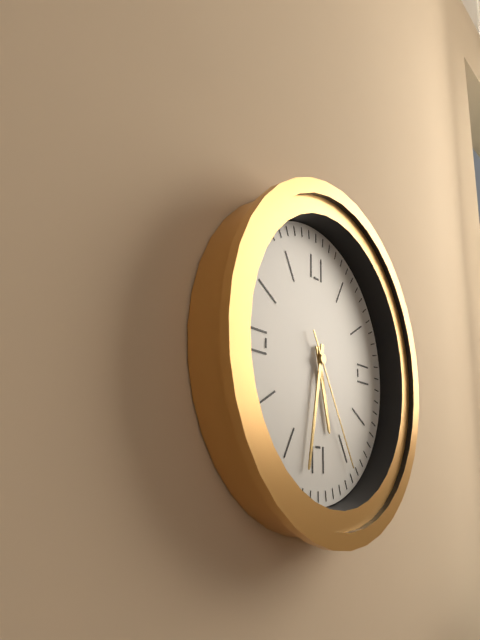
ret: {"hour": 5, "minute": 32, "second": 25}
